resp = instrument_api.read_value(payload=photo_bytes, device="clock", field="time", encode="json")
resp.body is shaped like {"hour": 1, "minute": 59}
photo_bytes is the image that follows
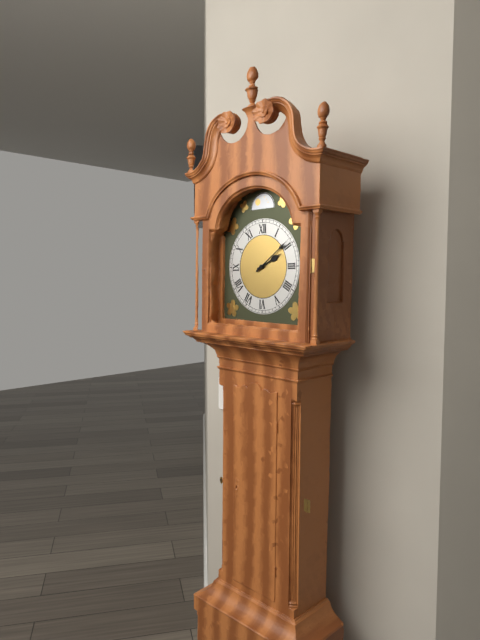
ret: {"hour": 2, "minute": 9}
